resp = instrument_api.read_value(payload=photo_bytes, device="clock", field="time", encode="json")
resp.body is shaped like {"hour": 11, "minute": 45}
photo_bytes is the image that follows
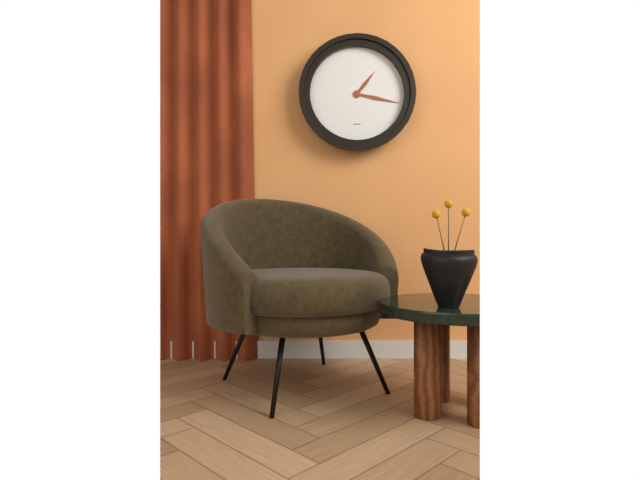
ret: {"hour": 1, "minute": 17}
